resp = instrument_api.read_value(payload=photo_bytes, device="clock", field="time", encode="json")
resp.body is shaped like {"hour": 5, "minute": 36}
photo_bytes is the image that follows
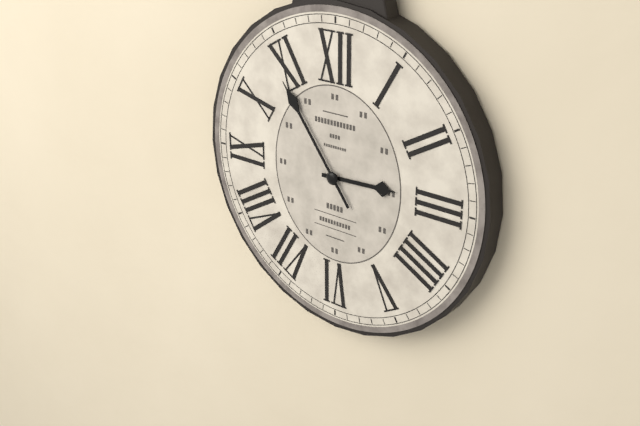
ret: {"hour": 2, "minute": 54}
